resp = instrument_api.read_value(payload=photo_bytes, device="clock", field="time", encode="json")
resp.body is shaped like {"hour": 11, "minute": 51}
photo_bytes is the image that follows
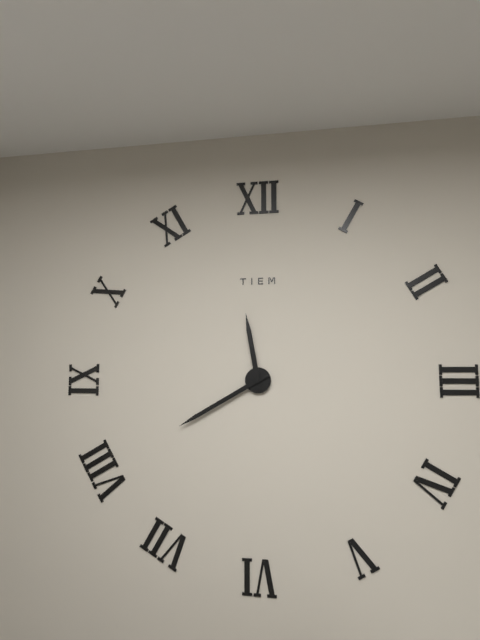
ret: {"hour": 11, "minute": 40}
